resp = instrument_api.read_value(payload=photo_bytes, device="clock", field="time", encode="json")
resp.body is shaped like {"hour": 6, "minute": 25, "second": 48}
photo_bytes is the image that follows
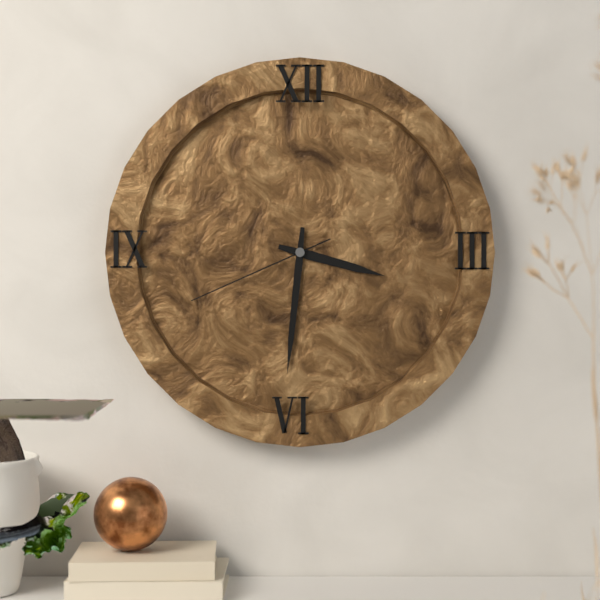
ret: {"hour": 3, "minute": 31, "second": 41}
